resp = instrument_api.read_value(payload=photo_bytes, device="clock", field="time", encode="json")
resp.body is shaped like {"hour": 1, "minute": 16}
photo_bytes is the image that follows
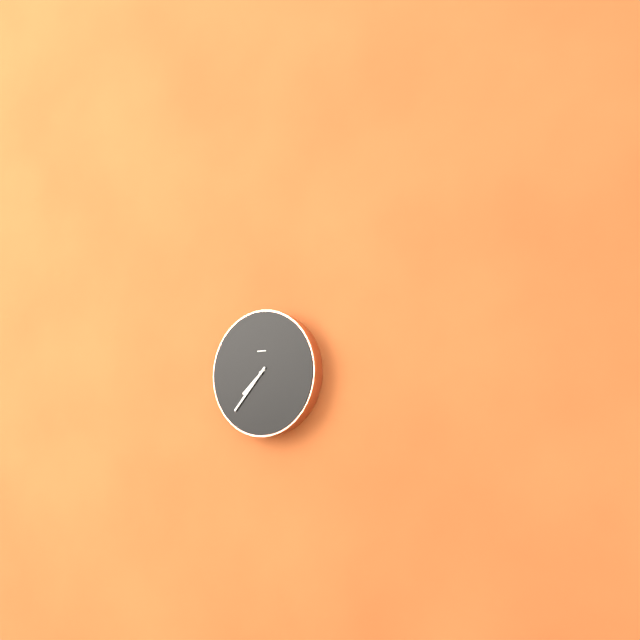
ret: {"hour": 7, "minute": 37}
